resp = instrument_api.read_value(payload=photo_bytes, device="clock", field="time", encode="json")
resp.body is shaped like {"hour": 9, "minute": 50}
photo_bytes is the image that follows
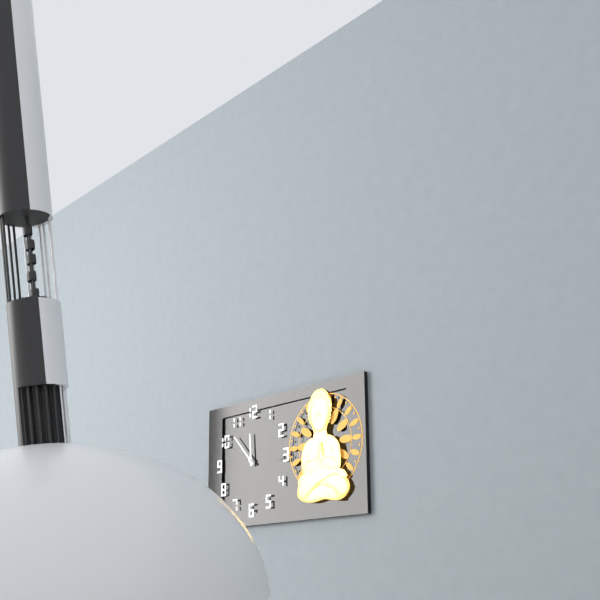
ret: {"hour": 11, "minute": 53}
